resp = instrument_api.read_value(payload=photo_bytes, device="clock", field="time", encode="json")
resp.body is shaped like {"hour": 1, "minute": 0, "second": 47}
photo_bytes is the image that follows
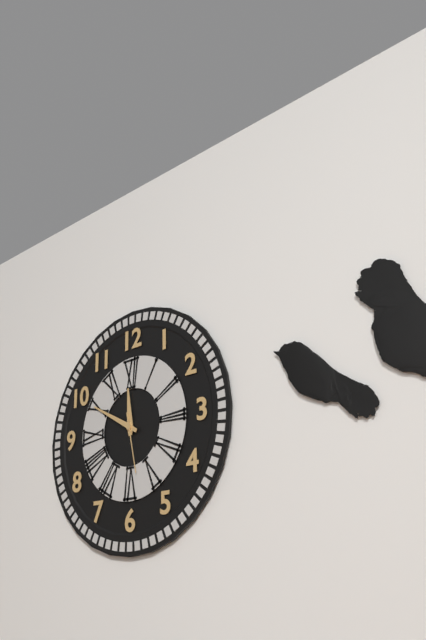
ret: {"hour": 11, "minute": 50, "second": 28}
